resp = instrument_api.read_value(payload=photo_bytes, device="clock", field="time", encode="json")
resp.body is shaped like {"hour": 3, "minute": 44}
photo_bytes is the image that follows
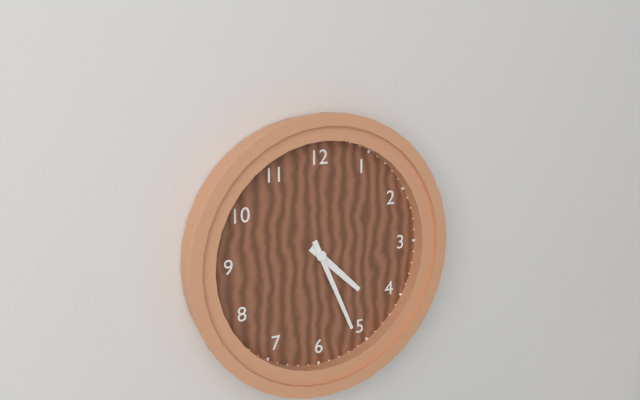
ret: {"hour": 4, "minute": 26}
